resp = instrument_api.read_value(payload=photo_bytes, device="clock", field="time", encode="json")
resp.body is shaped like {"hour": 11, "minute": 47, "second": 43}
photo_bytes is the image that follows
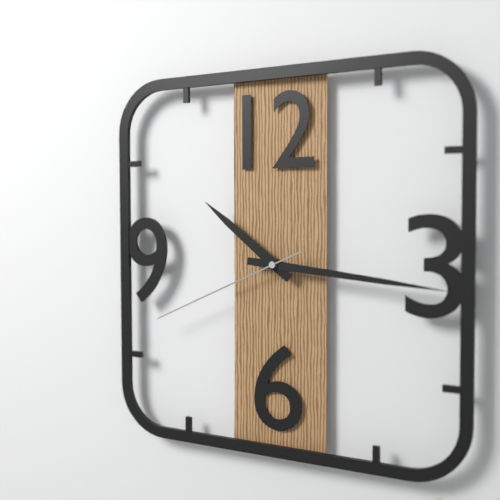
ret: {"hour": 10, "minute": 16, "second": 41}
